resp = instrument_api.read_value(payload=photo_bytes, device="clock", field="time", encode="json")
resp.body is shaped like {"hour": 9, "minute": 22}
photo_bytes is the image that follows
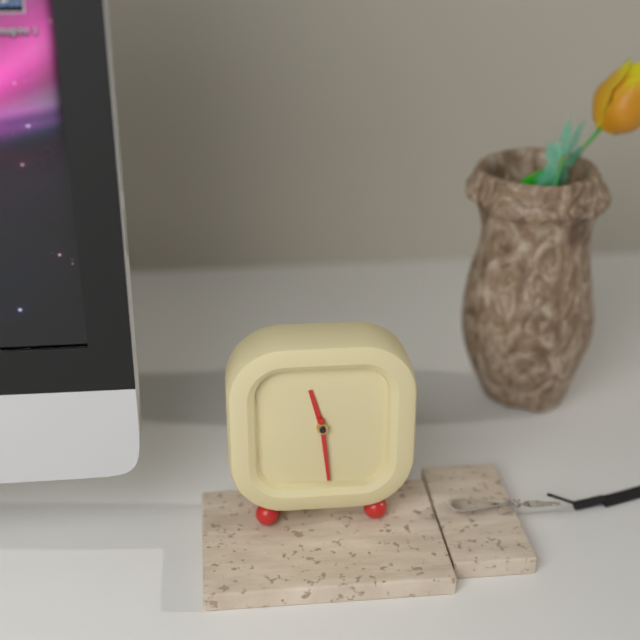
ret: {"hour": 11, "minute": 29}
